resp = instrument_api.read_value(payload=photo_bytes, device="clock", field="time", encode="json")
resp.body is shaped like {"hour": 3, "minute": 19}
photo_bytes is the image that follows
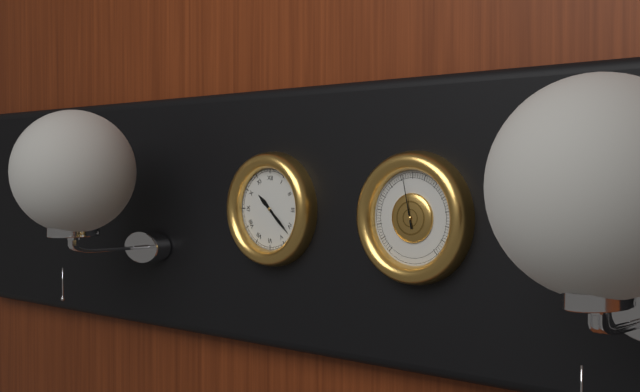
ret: {"hour": 10, "minute": 22}
